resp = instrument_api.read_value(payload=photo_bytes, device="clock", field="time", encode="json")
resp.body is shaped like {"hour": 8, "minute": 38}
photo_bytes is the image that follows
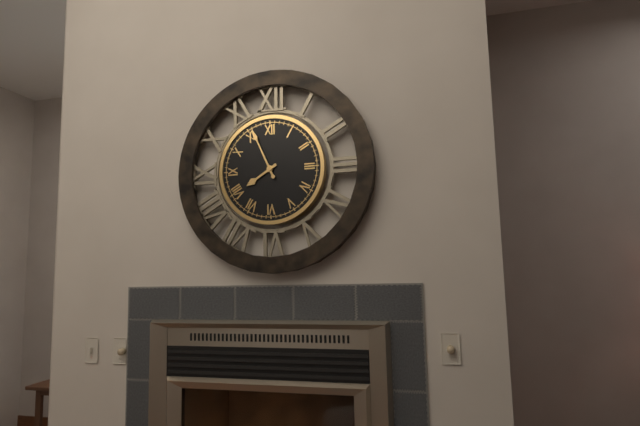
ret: {"hour": 7, "minute": 56}
